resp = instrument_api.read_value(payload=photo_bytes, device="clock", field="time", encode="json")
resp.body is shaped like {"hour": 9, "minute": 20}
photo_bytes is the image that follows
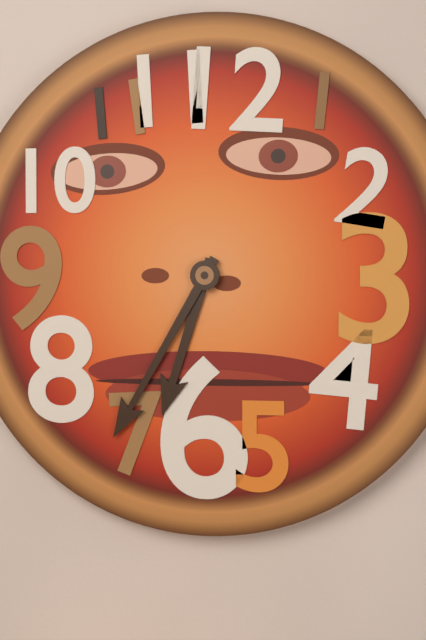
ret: {"hour": 6, "minute": 35}
